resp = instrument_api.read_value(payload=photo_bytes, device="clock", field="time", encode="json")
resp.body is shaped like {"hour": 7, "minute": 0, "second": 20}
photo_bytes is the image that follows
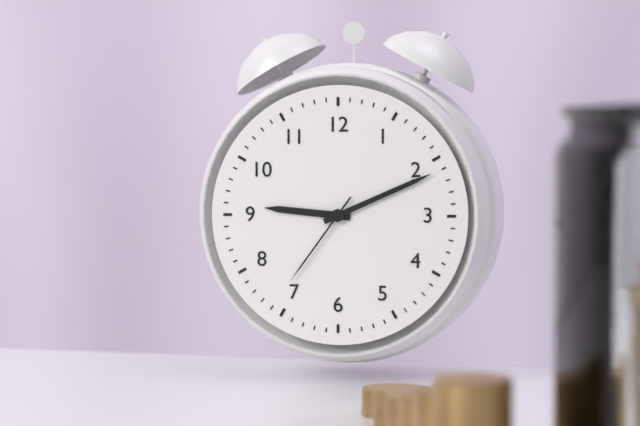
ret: {"hour": 9, "minute": 11, "second": 36}
